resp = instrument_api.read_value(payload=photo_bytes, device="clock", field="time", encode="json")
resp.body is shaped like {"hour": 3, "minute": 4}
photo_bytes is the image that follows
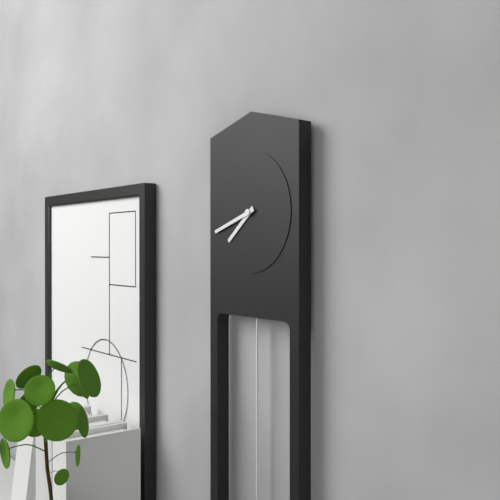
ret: {"hour": 7, "minute": 42}
